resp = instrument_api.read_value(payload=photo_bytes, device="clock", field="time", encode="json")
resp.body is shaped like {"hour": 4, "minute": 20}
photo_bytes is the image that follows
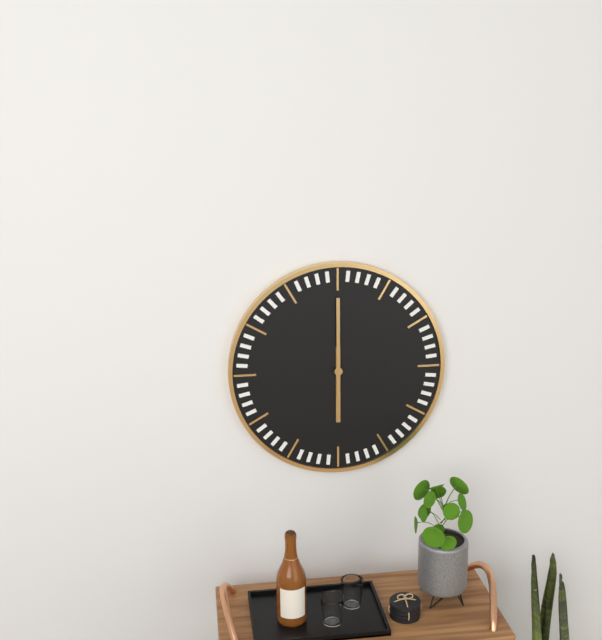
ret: {"hour": 6, "minute": 0}
